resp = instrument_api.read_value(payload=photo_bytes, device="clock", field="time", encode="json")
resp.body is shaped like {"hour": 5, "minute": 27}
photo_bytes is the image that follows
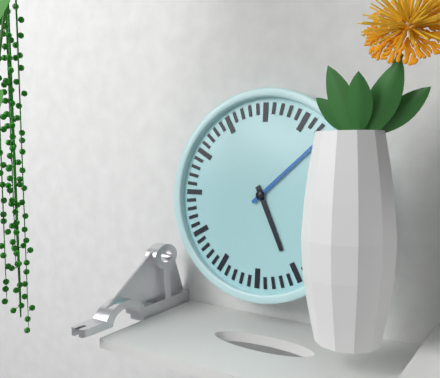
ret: {"hour": 5, "minute": 8}
